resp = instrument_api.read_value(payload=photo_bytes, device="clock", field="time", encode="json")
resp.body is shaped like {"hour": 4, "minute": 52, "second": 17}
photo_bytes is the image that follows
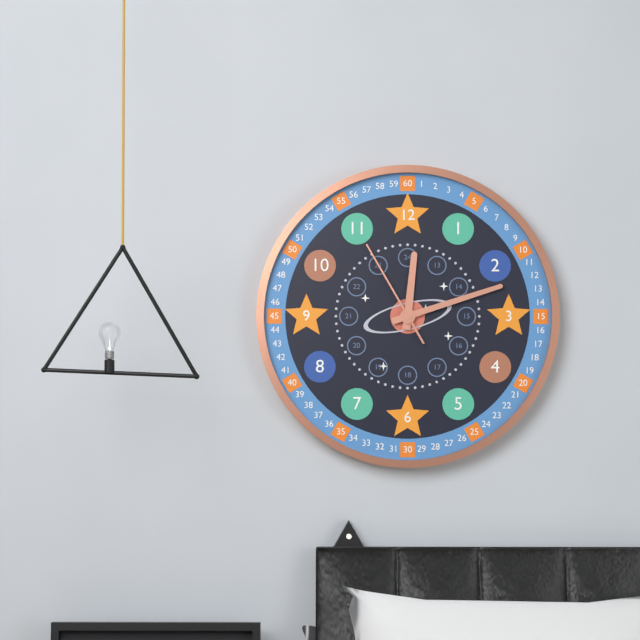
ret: {"hour": 12, "minute": 12, "second": 55}
